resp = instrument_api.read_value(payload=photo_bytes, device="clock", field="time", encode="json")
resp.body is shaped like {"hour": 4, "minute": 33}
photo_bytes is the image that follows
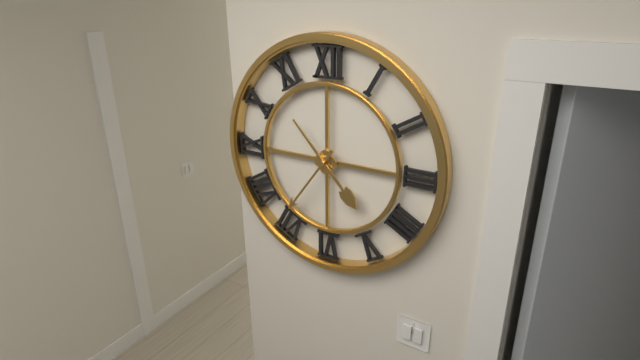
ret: {"hour": 4, "minute": 36}
